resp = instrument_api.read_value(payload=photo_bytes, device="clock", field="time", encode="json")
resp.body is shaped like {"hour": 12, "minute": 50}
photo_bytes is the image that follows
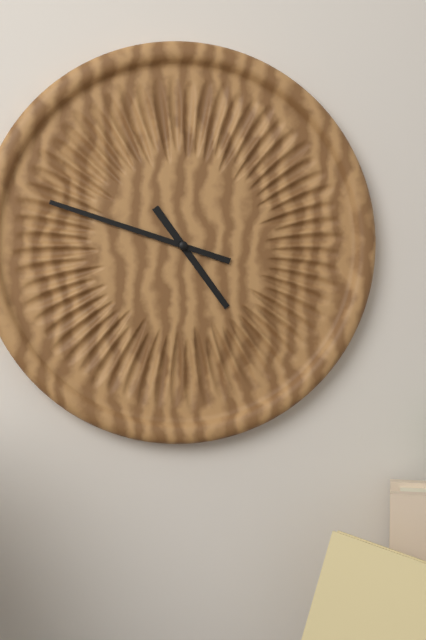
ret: {"hour": 4, "minute": 48}
